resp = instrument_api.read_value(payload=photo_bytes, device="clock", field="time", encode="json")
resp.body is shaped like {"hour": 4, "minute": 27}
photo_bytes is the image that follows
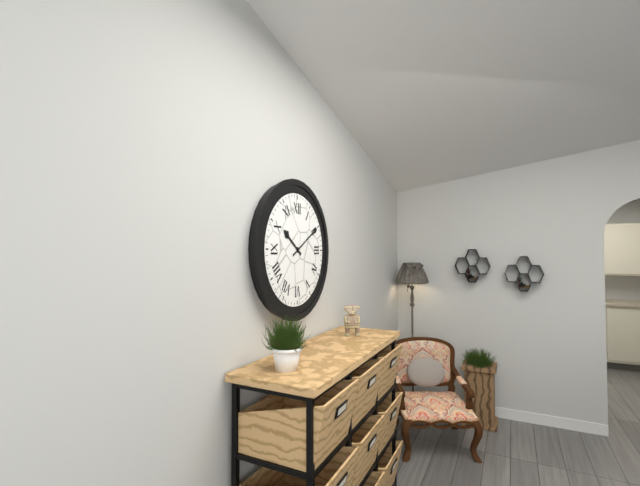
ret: {"hour": 10, "minute": 10}
